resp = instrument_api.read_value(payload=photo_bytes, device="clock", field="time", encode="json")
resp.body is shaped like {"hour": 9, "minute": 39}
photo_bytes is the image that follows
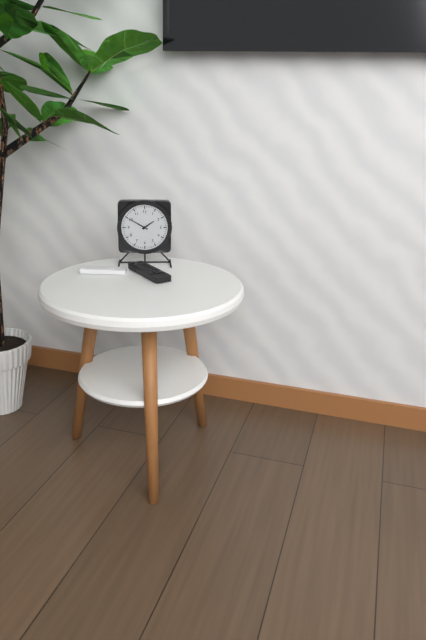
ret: {"hour": 1, "minute": 50}
